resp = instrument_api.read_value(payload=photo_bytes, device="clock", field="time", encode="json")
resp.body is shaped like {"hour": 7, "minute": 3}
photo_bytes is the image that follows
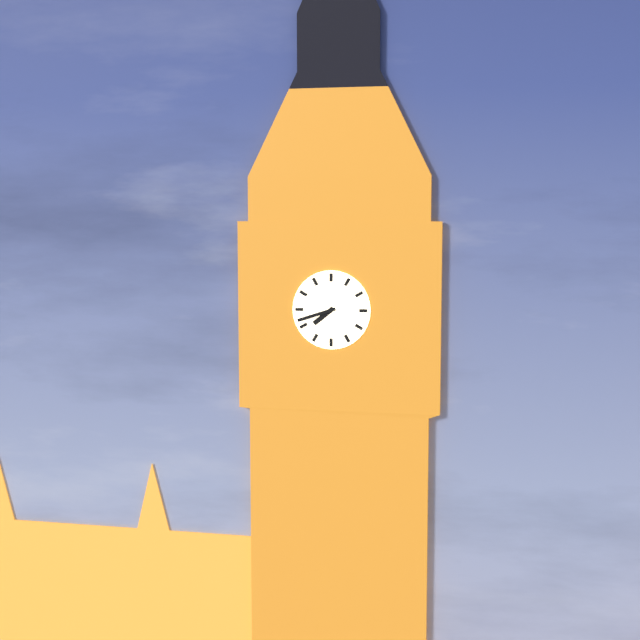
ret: {"hour": 7, "minute": 42}
